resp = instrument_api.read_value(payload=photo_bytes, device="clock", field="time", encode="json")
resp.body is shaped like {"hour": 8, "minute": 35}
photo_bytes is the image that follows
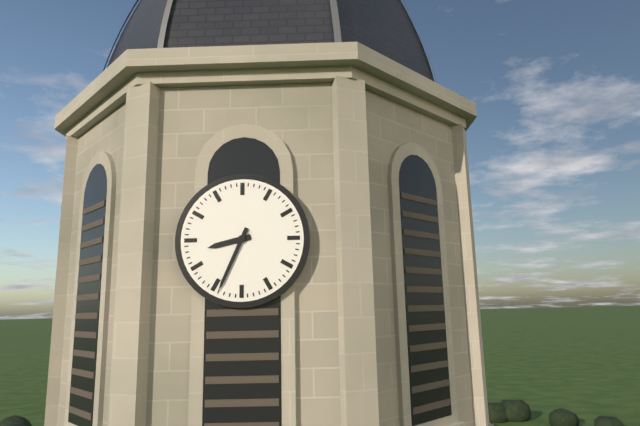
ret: {"hour": 8, "minute": 34}
